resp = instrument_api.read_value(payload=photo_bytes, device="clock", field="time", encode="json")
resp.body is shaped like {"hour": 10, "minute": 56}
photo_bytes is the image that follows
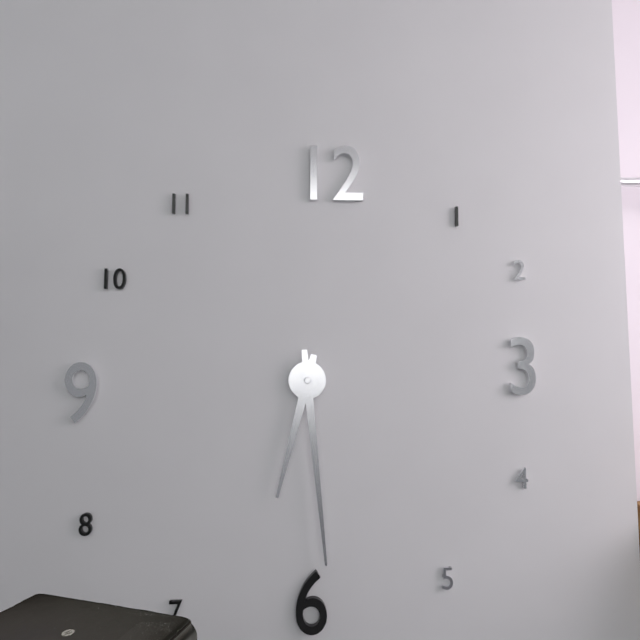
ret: {"hour": 6, "minute": 29}
